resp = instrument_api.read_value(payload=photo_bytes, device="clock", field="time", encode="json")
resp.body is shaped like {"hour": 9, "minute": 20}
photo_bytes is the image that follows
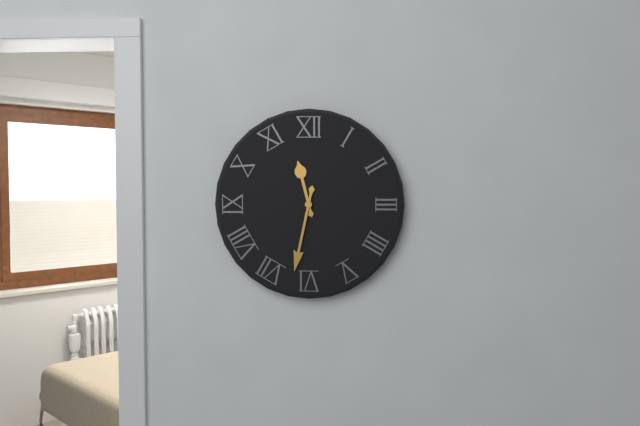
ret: {"hour": 11, "minute": 32}
